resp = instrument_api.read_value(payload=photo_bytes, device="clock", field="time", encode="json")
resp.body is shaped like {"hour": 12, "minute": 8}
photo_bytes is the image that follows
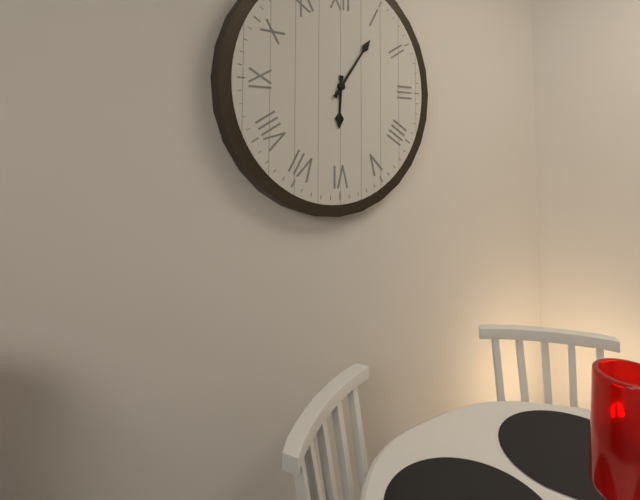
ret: {"hour": 6, "minute": 6}
